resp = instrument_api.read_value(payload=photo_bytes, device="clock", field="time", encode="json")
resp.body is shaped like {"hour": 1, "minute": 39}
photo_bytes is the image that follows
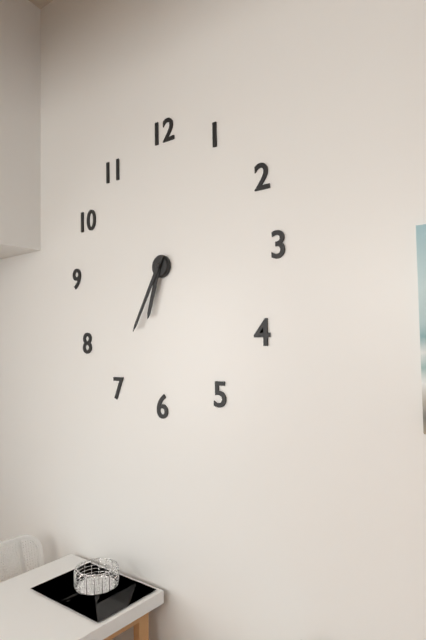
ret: {"hour": 6, "minute": 35}
